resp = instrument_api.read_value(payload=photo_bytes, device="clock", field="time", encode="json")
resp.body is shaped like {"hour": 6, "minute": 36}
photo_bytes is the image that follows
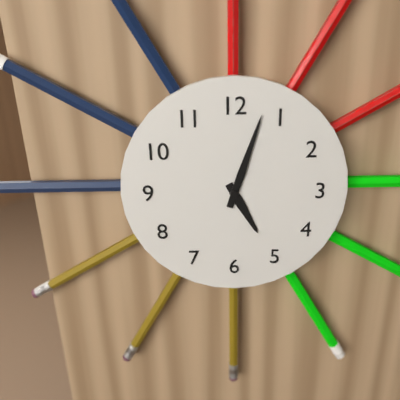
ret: {"hour": 5, "minute": 3}
